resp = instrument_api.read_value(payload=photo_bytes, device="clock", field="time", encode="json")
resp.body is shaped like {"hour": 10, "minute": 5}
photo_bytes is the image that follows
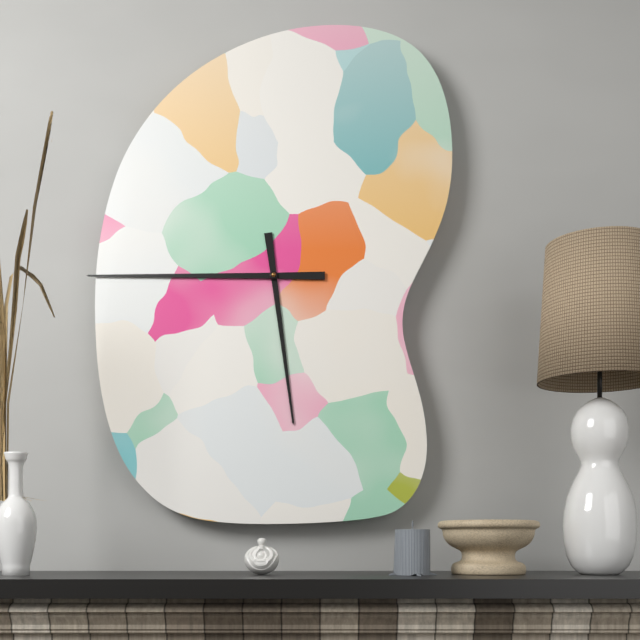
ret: {"hour": 5, "minute": 45}
